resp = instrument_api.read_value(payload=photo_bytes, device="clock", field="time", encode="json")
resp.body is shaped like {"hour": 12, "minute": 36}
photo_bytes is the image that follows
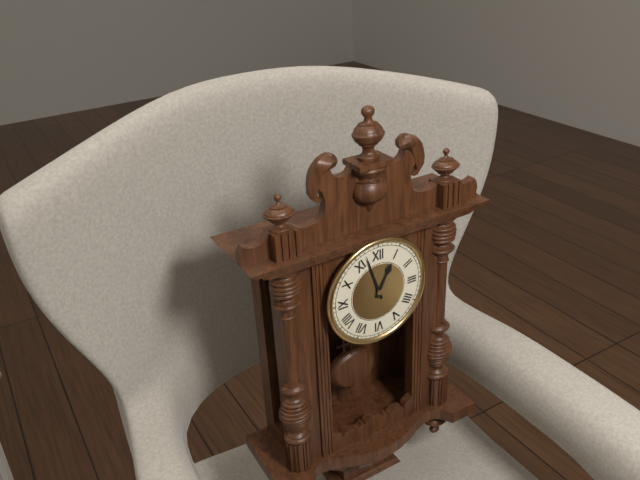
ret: {"hour": 12, "minute": 57}
